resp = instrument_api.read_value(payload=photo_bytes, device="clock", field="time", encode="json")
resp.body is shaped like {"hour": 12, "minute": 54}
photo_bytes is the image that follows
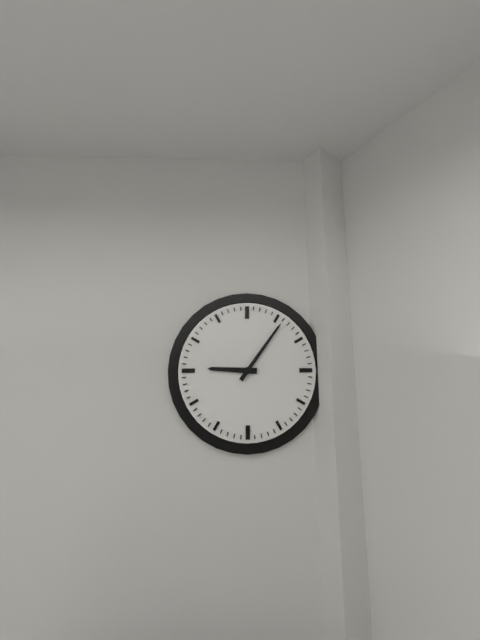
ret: {"hour": 9, "minute": 6}
